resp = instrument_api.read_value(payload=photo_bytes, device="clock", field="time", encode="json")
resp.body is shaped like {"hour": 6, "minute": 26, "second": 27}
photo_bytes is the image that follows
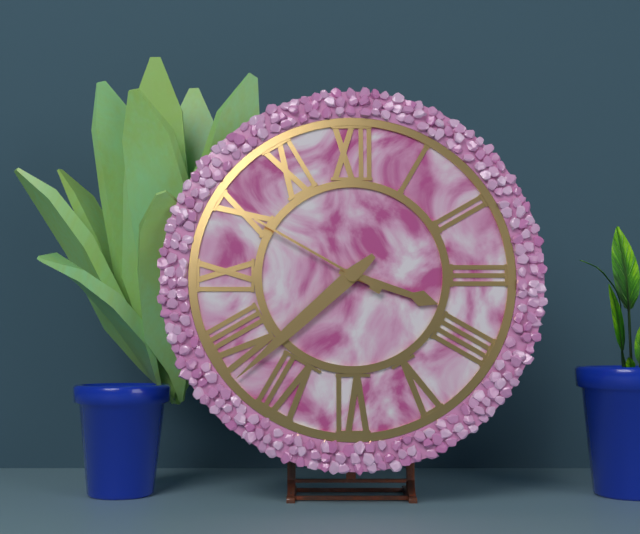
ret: {"hour": 3, "minute": 38, "second": 50}
